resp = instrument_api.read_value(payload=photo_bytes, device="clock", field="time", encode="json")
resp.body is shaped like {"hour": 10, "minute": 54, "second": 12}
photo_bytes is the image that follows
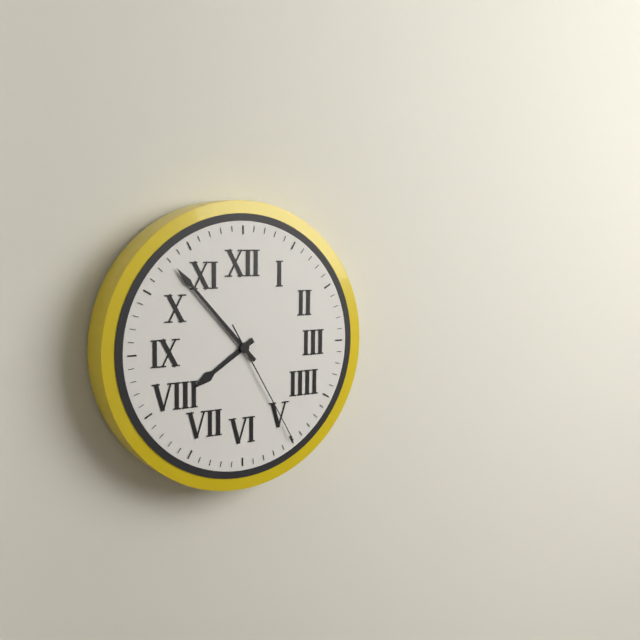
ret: {"hour": 7, "minute": 53, "second": 25}
